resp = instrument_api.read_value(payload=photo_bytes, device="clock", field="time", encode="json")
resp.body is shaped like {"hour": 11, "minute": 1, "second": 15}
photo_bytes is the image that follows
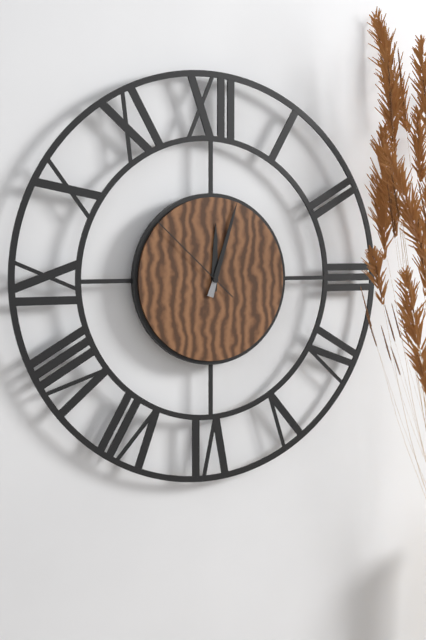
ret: {"hour": 12, "minute": 3, "second": 52}
